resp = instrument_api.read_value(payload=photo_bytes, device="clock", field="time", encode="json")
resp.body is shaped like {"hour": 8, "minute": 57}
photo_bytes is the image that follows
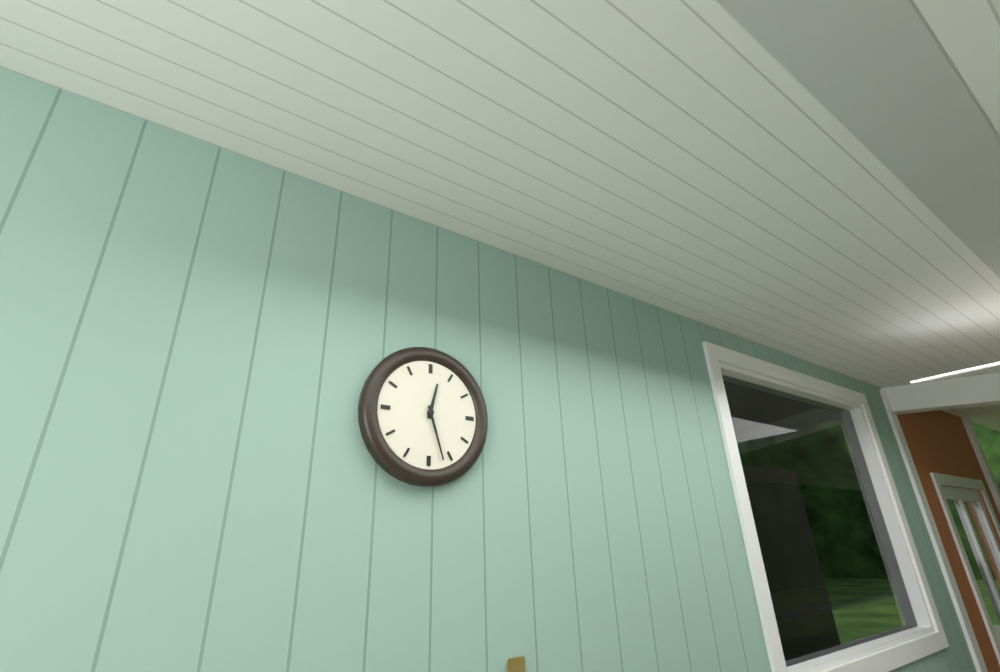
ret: {"hour": 12, "minute": 27}
